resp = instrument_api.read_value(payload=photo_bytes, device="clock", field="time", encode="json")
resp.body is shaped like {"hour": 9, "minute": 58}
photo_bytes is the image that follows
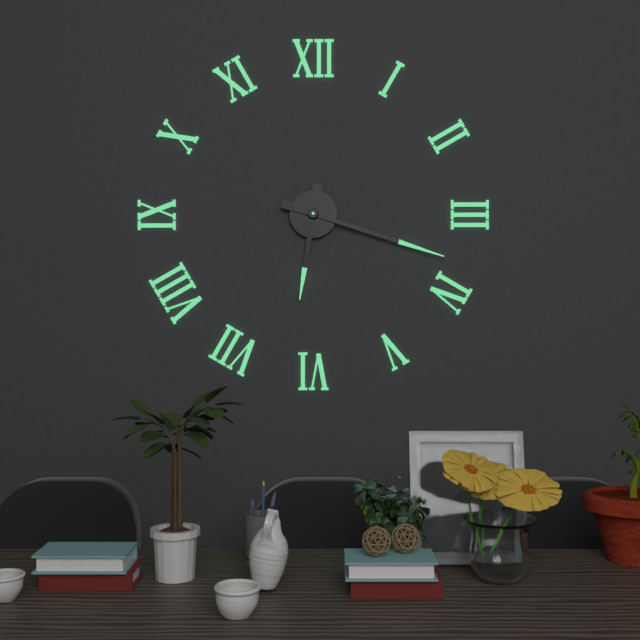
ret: {"hour": 6, "minute": 18}
